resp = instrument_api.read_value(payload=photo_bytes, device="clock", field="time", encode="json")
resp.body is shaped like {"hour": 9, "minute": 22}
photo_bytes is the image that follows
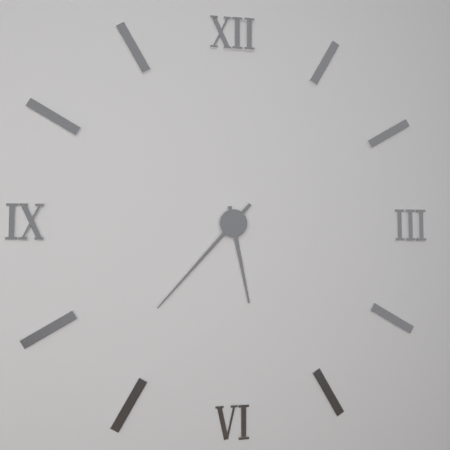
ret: {"hour": 5, "minute": 37}
